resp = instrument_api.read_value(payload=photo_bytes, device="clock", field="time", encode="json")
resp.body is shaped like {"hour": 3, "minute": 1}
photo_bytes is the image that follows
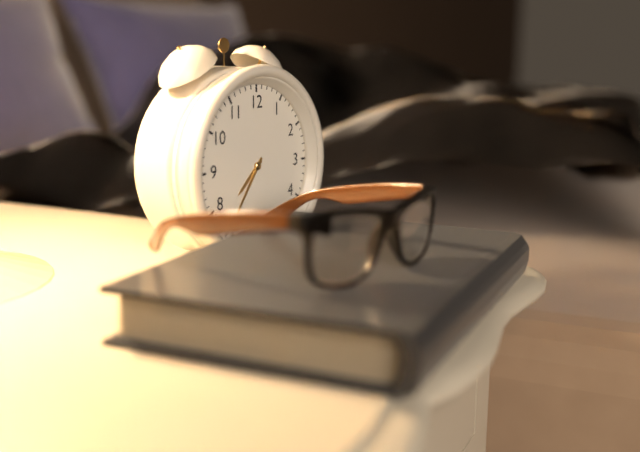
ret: {"hour": 7, "minute": 36}
